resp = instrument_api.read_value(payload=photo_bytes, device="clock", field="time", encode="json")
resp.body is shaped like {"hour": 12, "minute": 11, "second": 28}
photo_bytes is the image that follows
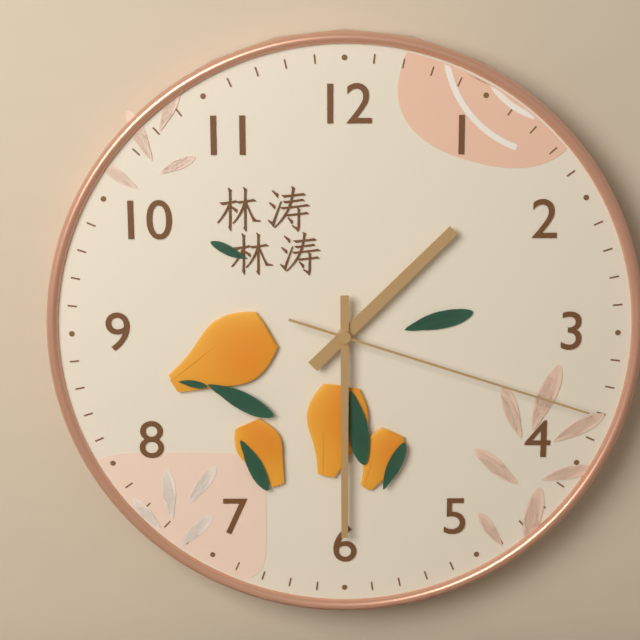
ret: {"hour": 1, "minute": 30, "second": 18}
